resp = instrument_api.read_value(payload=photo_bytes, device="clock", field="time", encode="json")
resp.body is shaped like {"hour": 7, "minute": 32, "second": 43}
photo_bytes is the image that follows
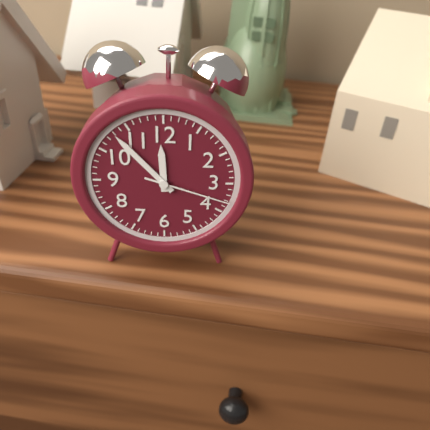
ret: {"hour": 11, "minute": 53, "second": 18}
